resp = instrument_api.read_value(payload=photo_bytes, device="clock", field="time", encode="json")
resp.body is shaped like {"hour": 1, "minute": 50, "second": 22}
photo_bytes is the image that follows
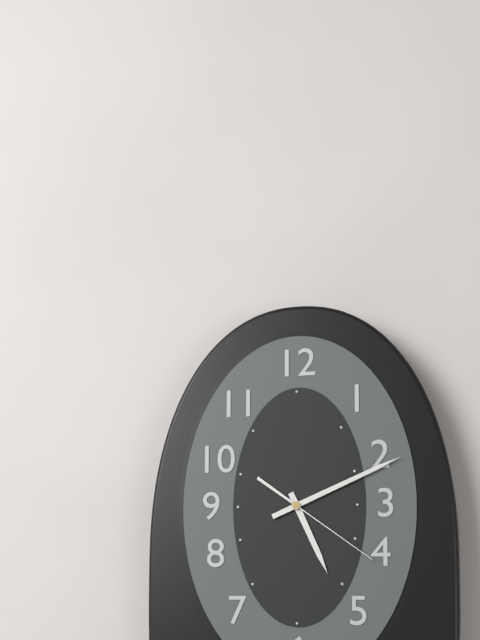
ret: {"hour": 5, "minute": 11, "second": 21}
